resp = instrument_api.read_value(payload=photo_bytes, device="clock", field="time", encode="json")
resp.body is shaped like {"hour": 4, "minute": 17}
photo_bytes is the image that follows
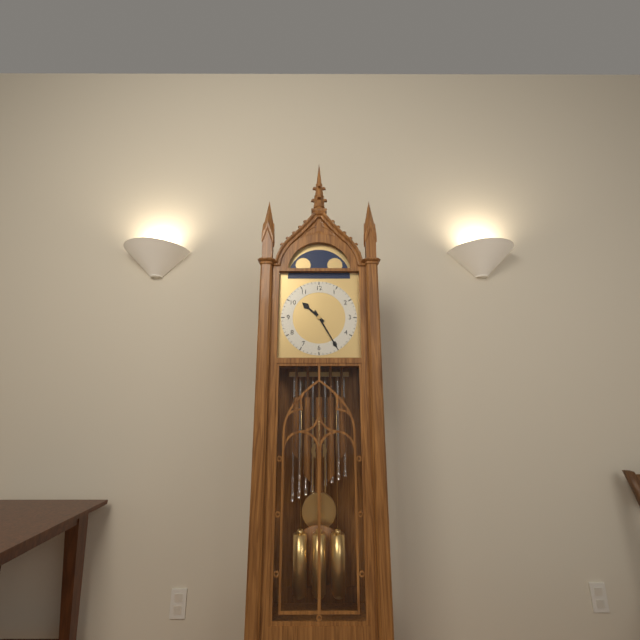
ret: {"hour": 10, "minute": 25}
